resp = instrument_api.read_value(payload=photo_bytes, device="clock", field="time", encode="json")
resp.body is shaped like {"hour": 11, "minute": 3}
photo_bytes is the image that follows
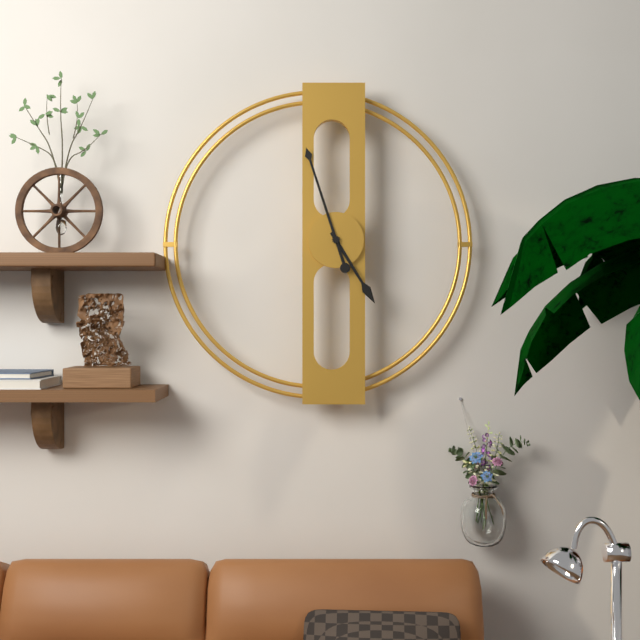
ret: {"hour": 4, "minute": 57}
